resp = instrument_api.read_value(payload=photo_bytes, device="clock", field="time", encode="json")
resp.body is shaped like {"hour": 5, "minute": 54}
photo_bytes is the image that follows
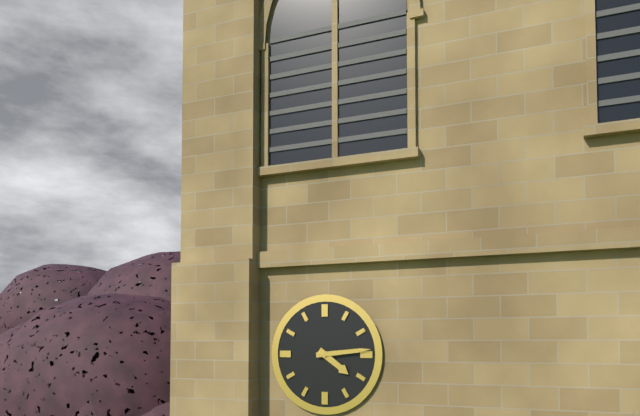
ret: {"hour": 4, "minute": 14}
